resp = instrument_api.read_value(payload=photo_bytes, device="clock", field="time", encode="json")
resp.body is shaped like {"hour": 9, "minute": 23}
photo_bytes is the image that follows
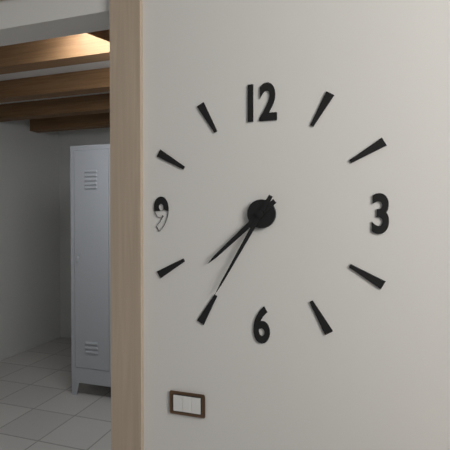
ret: {"hour": 7, "minute": 35}
